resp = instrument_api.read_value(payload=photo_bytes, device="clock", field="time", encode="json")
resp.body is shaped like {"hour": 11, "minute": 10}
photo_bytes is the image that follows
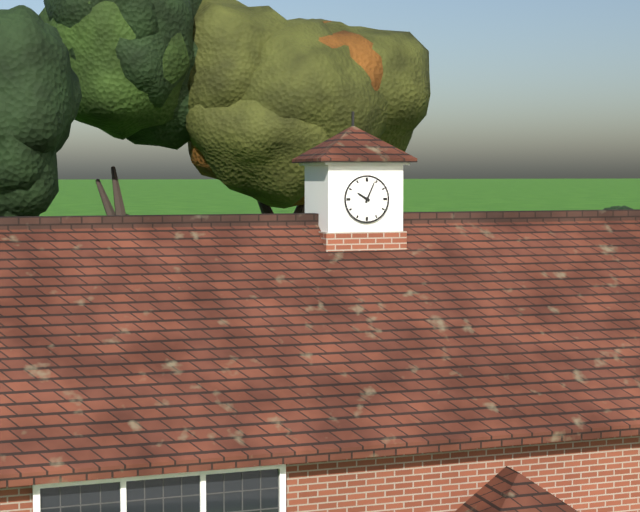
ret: {"hour": 10, "minute": 4}
